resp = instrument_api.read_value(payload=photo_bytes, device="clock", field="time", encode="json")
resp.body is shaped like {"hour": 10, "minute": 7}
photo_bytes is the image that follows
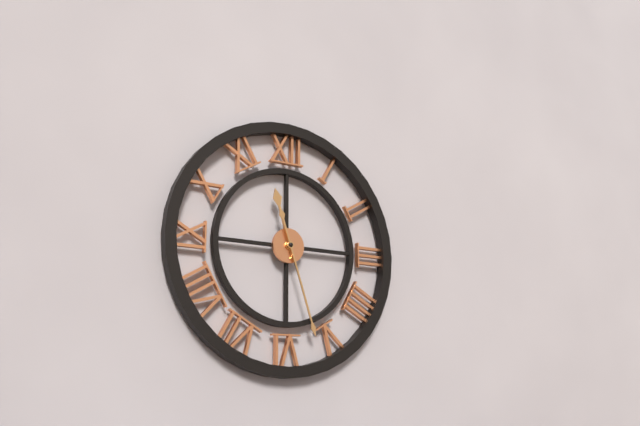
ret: {"hour": 11, "minute": 27}
